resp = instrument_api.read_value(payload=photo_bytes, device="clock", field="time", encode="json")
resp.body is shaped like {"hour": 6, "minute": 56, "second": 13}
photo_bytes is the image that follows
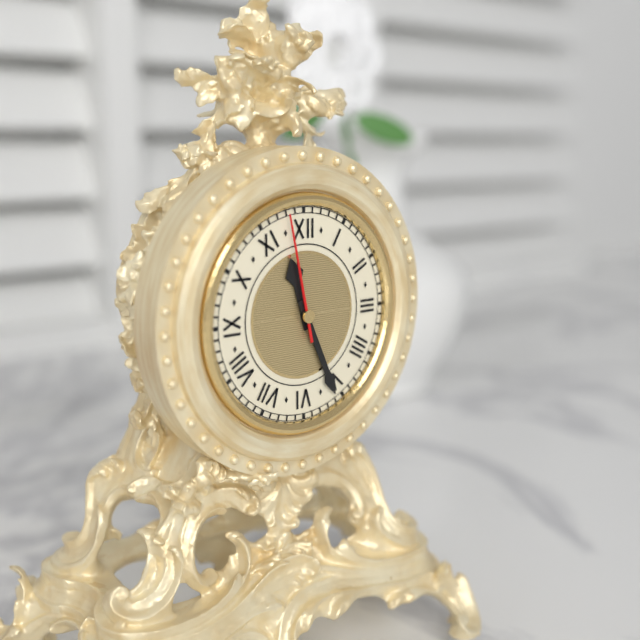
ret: {"hour": 11, "minute": 26, "second": 58}
